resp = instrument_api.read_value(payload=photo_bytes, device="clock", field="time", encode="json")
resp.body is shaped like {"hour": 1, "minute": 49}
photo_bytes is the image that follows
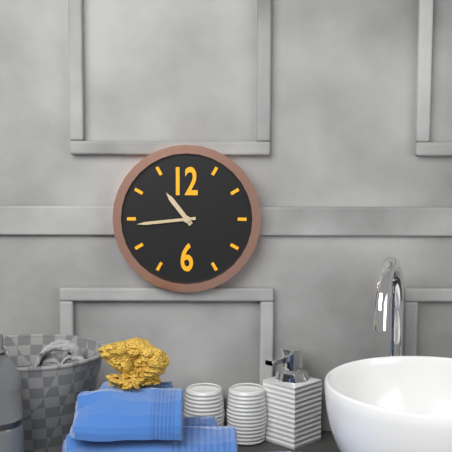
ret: {"hour": 10, "minute": 44}
